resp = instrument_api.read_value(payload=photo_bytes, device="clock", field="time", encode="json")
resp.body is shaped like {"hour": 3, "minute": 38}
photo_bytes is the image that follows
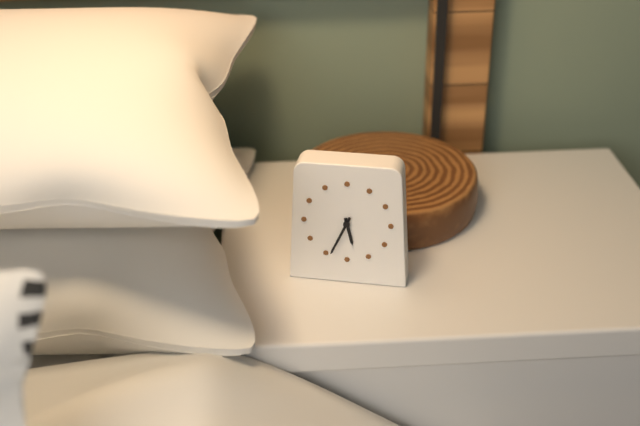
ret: {"hour": 5, "minute": 34}
